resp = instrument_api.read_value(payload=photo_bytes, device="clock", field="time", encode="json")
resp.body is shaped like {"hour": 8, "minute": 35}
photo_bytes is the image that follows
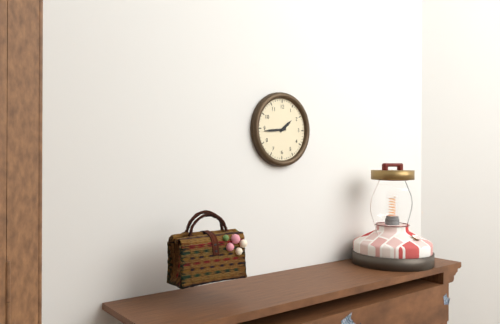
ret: {"hour": 1, "minute": 44}
